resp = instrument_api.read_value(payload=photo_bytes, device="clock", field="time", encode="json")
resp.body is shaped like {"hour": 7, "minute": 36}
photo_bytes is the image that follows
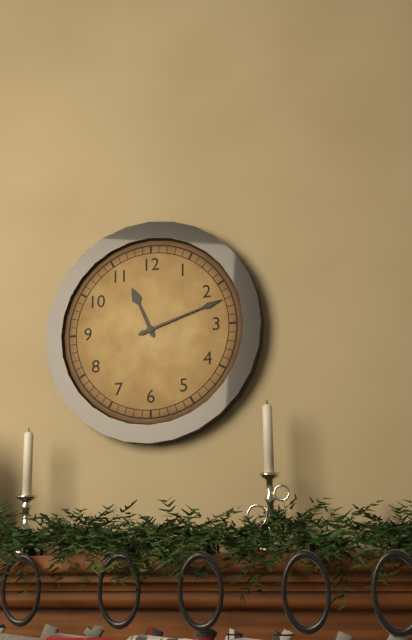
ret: {"hour": 11, "minute": 12}
